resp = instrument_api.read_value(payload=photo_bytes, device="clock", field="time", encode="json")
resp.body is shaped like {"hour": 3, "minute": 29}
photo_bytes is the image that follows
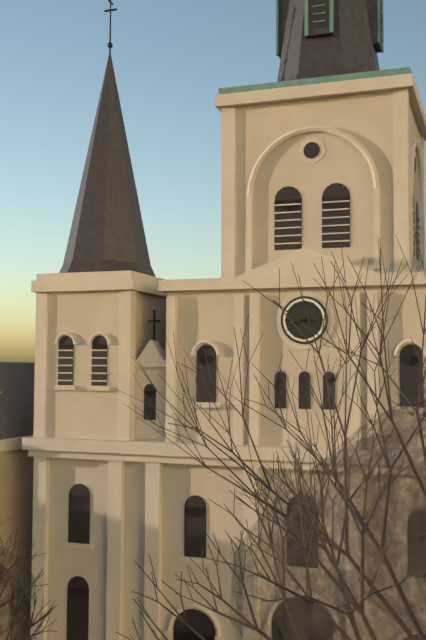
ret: {"hour": 8, "minute": 16}
